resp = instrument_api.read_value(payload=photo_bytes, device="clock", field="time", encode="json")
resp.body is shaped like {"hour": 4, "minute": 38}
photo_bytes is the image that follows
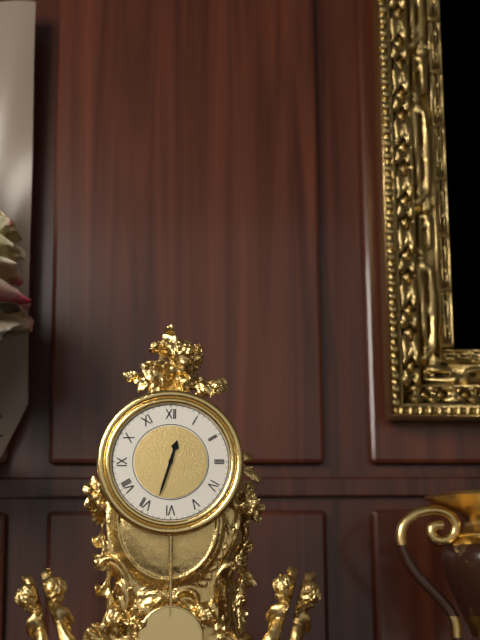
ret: {"hour": 12, "minute": 33}
